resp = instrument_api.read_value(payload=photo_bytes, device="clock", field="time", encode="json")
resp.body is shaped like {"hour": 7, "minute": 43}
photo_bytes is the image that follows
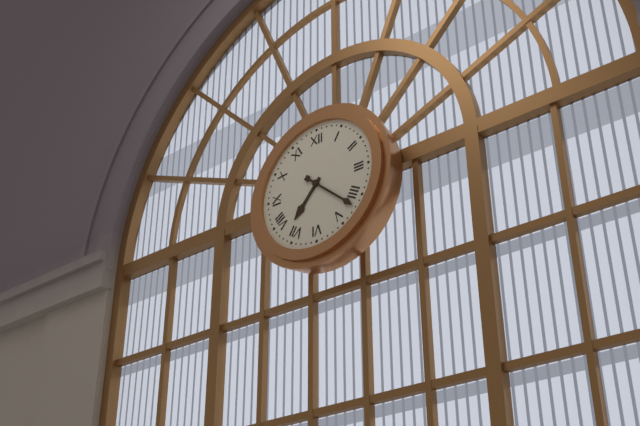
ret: {"hour": 7, "minute": 22}
